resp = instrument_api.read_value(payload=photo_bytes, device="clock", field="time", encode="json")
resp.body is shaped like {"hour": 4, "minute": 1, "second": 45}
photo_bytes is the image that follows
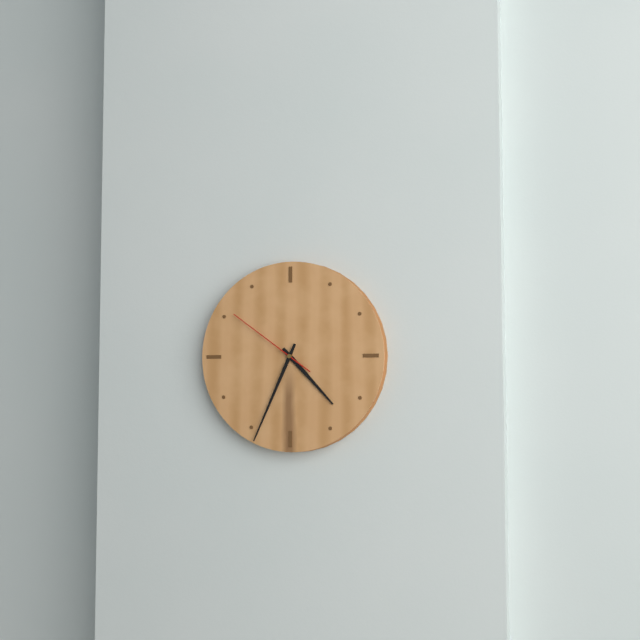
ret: {"hour": 4, "minute": 34, "second": 51}
